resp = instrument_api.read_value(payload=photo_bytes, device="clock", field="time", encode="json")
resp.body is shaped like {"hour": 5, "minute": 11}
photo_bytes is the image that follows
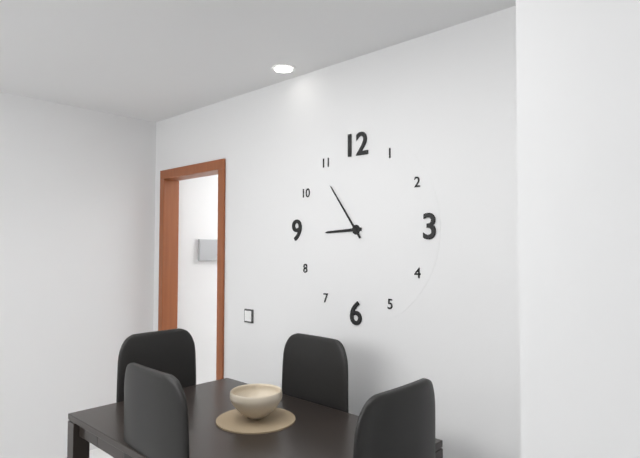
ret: {"hour": 8, "minute": 54}
